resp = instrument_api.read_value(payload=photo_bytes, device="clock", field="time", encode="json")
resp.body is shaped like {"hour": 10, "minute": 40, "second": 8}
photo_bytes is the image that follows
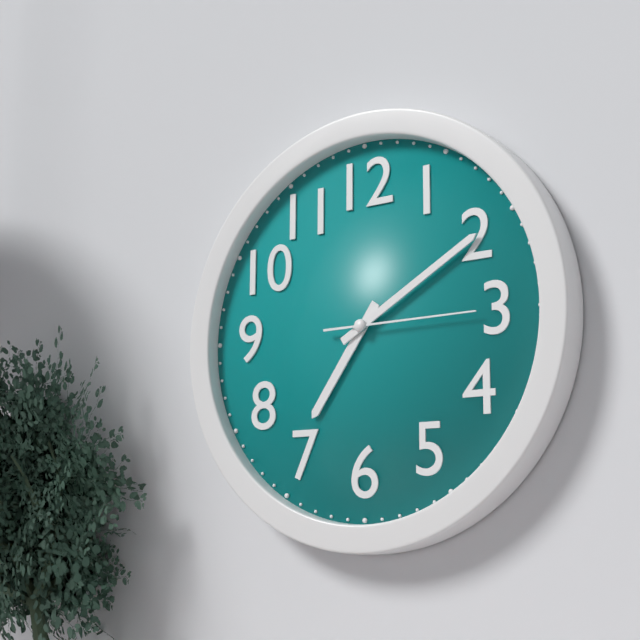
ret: {"hour": 7, "minute": 10, "second": 15}
